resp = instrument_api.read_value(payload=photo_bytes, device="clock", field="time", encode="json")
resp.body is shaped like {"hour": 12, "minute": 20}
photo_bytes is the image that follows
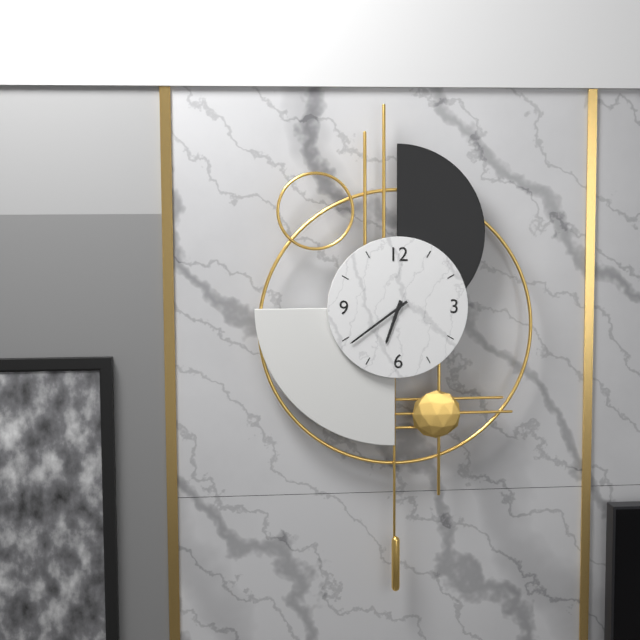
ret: {"hour": 6, "minute": 39}
